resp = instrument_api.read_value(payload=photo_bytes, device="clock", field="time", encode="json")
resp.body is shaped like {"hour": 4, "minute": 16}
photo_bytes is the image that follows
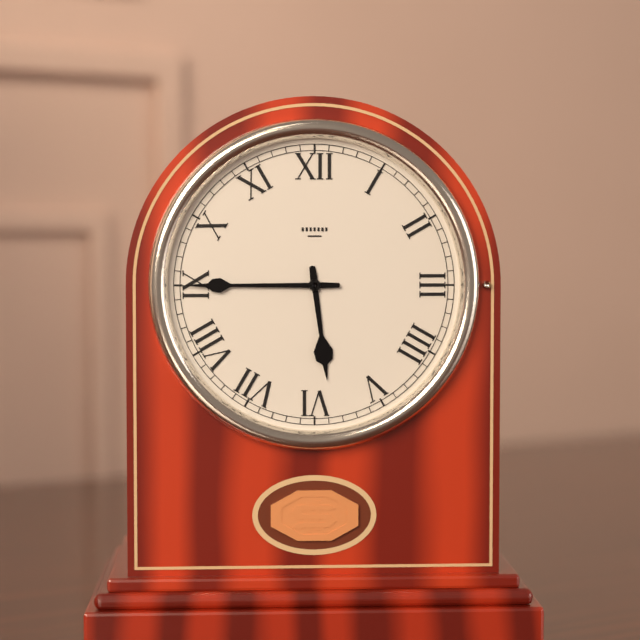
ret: {"hour": 5, "minute": 45}
